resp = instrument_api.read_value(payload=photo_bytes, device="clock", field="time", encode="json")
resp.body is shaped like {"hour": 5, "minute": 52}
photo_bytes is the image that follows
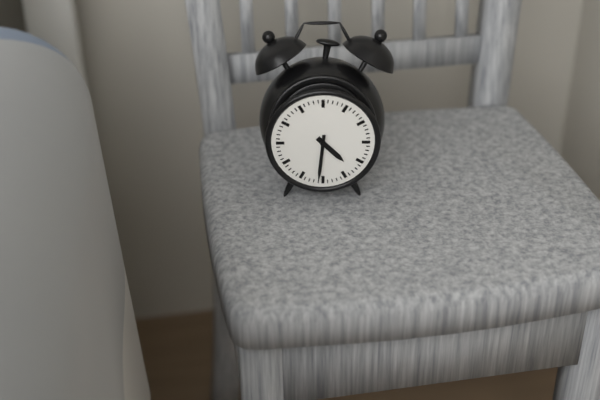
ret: {"hour": 4, "minute": 31}
